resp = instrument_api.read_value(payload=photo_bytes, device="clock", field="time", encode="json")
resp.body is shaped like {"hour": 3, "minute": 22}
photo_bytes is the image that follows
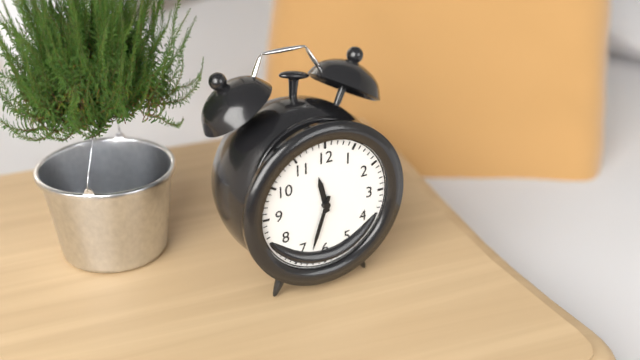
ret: {"hour": 11, "minute": 33}
